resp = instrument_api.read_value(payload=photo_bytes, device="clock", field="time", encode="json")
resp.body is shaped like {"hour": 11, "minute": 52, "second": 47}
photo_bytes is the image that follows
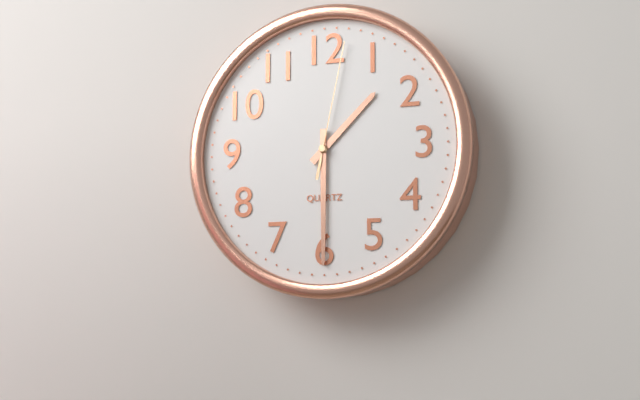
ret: {"hour": 1, "minute": 30, "second": 2}
